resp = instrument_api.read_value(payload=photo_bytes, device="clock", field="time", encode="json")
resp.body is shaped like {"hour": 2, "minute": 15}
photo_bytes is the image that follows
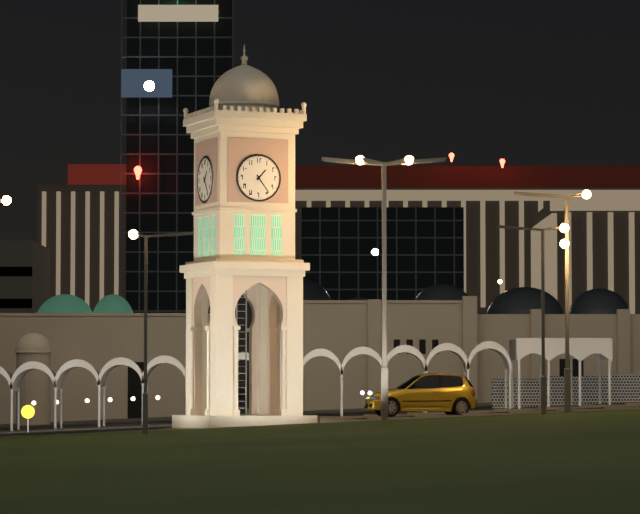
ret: {"hour": 1, "minute": 24}
